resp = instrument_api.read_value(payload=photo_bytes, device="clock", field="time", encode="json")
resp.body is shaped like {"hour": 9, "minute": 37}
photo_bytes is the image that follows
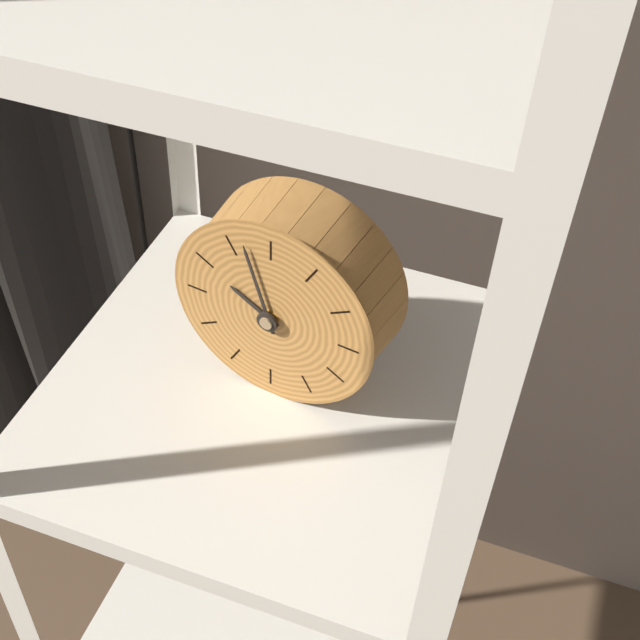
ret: {"hour": 9, "minute": 57}
